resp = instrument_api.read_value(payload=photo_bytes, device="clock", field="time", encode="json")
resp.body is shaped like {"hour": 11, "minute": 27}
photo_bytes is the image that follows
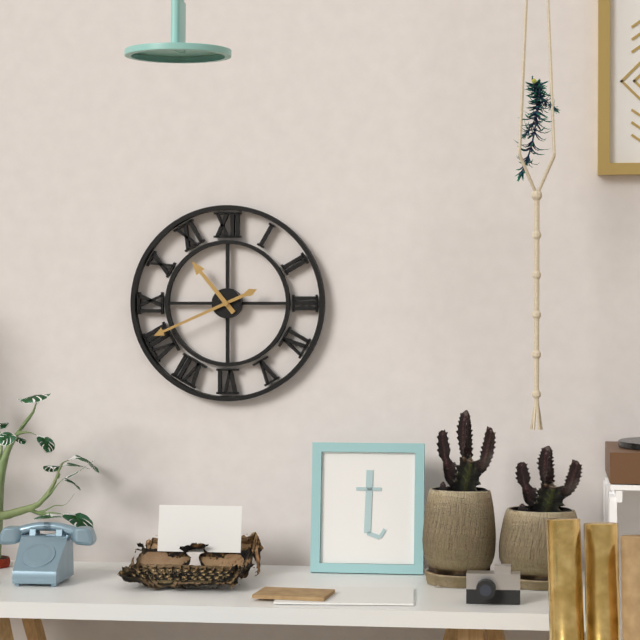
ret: {"hour": 10, "minute": 41}
